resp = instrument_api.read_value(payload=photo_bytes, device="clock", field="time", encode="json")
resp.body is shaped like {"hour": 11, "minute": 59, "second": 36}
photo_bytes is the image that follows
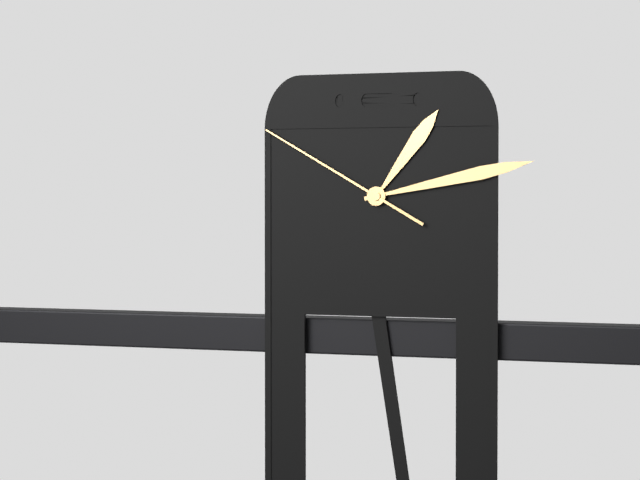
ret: {"hour": 1, "minute": 13, "second": 50}
